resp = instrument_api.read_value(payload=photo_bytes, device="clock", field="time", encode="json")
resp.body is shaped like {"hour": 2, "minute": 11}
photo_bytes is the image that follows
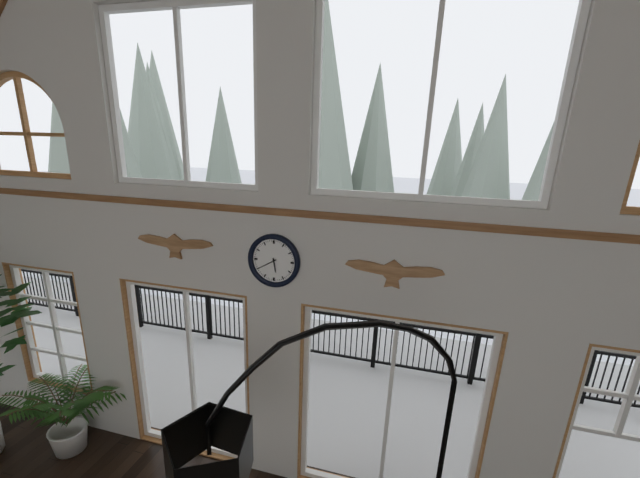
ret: {"hour": 5, "minute": 40}
